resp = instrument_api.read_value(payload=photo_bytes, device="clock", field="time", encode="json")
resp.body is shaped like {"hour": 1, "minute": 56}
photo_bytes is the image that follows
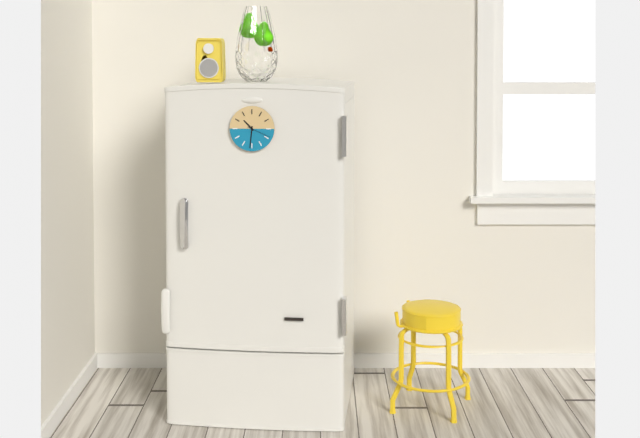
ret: {"hour": 10, "minute": 31}
